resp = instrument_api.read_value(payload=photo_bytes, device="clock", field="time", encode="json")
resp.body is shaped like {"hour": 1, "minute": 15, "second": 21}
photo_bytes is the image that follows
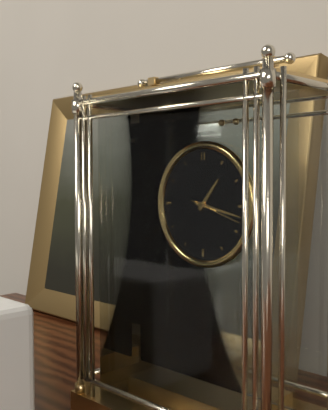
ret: {"hour": 1, "minute": 17, "second": 18}
